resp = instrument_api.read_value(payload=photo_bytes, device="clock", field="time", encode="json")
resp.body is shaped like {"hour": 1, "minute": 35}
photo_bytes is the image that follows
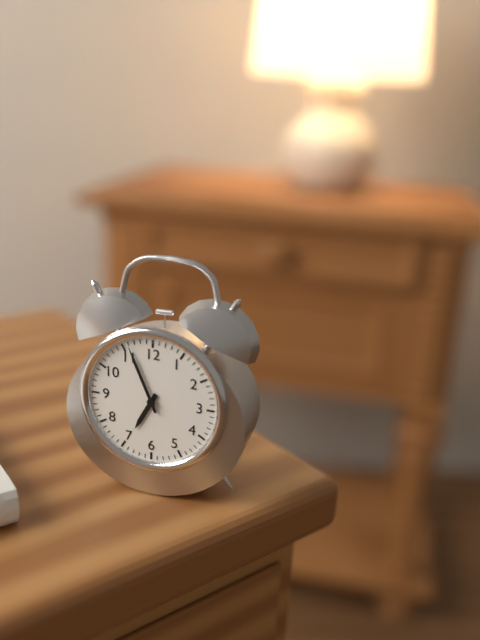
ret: {"hour": 6, "minute": 56}
